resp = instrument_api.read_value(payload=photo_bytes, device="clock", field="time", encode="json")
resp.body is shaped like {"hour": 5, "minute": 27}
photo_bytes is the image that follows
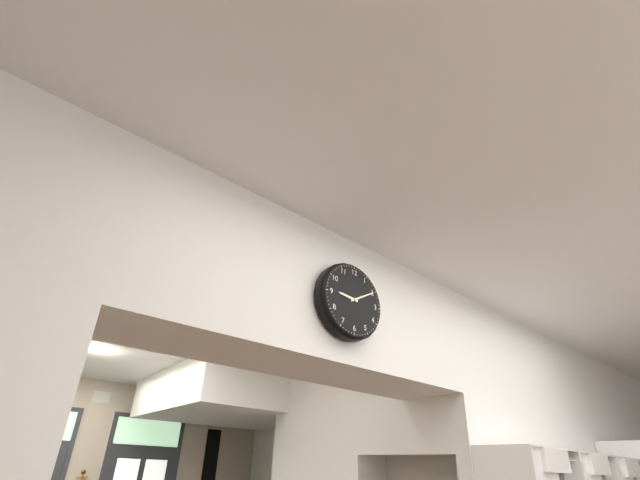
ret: {"hour": 9, "minute": 10}
